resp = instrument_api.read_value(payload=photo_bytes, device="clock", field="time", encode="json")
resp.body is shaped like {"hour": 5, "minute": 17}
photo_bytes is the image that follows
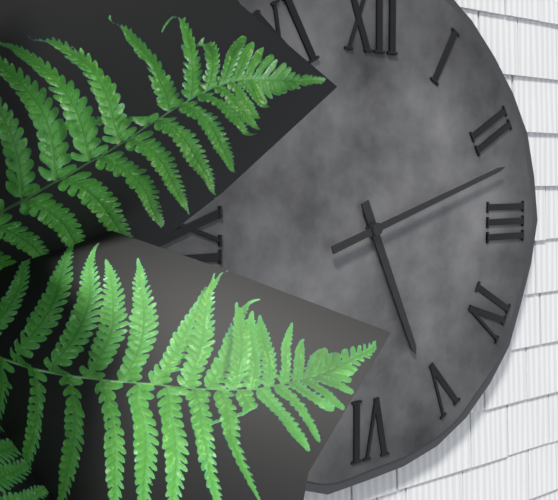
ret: {"hour": 5, "minute": 12}
